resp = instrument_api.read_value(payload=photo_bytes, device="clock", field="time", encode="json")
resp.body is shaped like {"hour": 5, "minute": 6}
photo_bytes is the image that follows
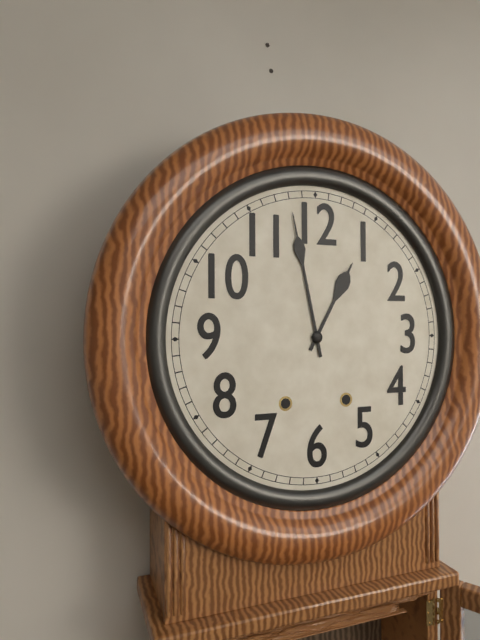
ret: {"hour": 12, "minute": 58}
